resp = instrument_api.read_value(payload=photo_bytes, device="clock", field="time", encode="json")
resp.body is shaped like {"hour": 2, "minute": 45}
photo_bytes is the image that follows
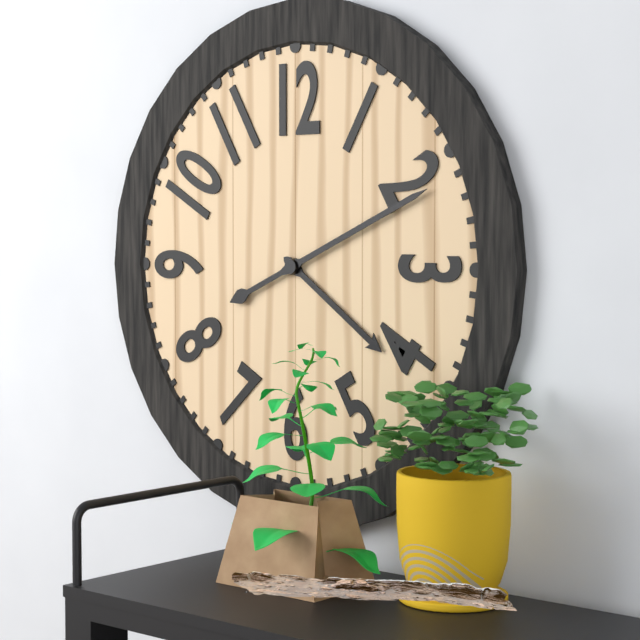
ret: {"hour": 4, "minute": 11}
